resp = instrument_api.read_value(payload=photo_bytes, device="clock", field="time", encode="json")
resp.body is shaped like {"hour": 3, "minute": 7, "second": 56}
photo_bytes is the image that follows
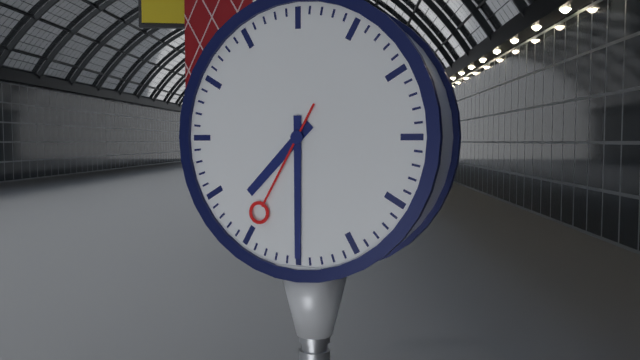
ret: {"hour": 7, "minute": 30, "second": 35}
